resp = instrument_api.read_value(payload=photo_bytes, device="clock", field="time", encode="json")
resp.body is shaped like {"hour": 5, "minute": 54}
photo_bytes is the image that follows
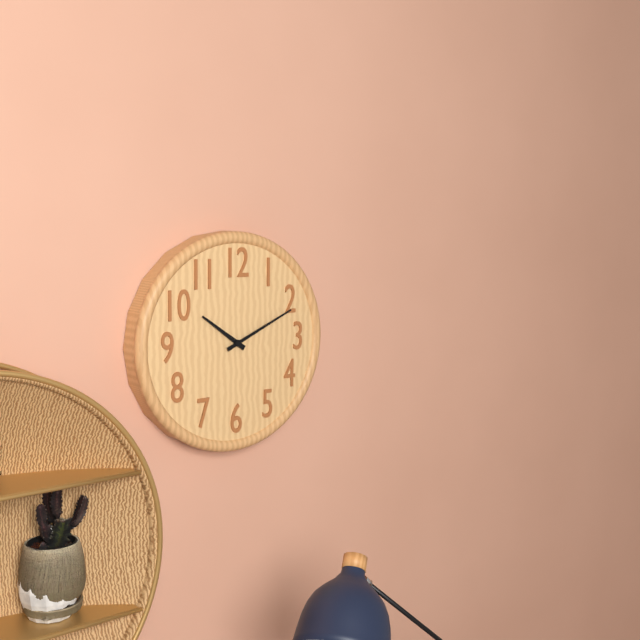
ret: {"hour": 10, "minute": 11}
